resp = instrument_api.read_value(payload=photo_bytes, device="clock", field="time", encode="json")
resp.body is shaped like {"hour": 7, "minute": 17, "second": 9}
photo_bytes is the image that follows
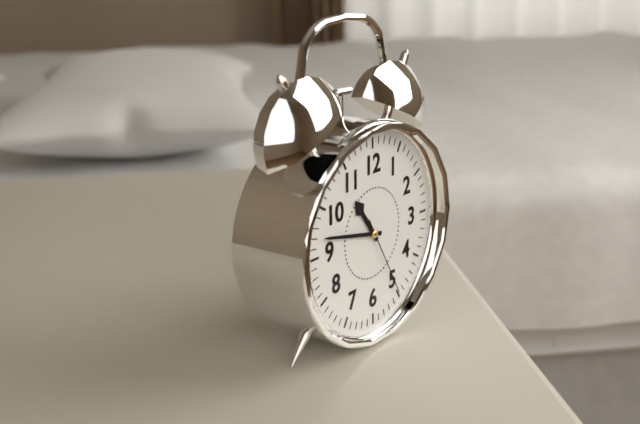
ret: {"hour": 10, "minute": 47, "second": 25}
